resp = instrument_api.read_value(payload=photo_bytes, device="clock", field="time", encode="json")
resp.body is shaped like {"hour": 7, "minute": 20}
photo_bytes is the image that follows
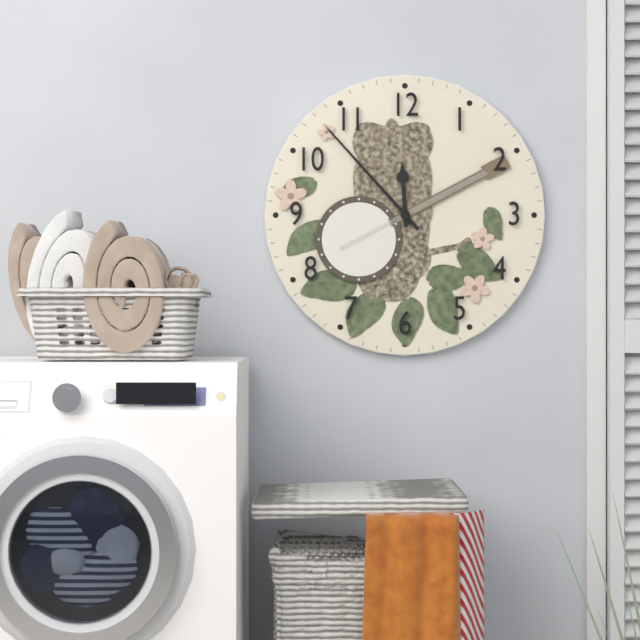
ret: {"hour": 11, "minute": 53}
